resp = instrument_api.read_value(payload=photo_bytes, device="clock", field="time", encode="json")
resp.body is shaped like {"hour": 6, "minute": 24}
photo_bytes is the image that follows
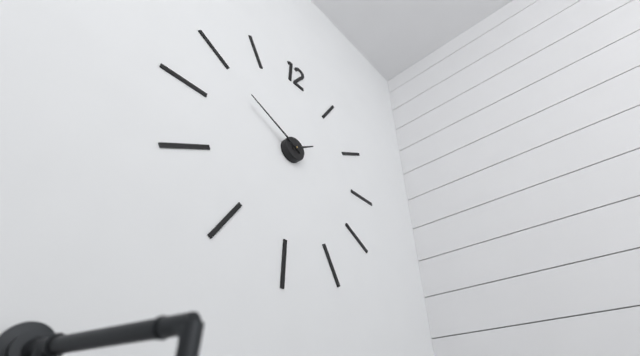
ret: {"hour": 1, "minute": 49}
